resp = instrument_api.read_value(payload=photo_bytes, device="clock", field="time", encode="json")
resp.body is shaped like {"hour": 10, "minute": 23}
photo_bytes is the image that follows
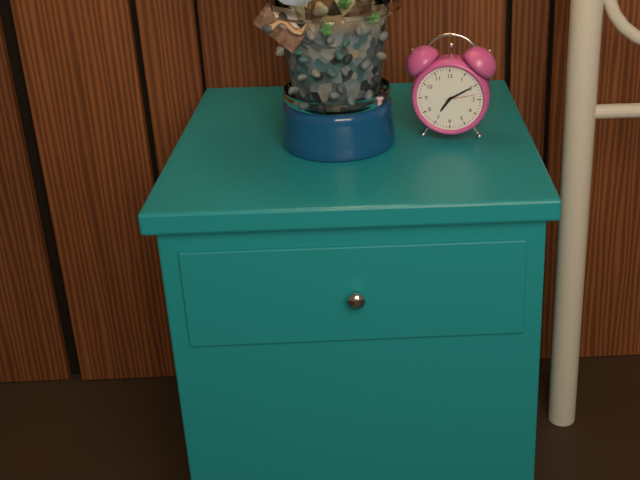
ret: {"hour": 7, "minute": 10}
